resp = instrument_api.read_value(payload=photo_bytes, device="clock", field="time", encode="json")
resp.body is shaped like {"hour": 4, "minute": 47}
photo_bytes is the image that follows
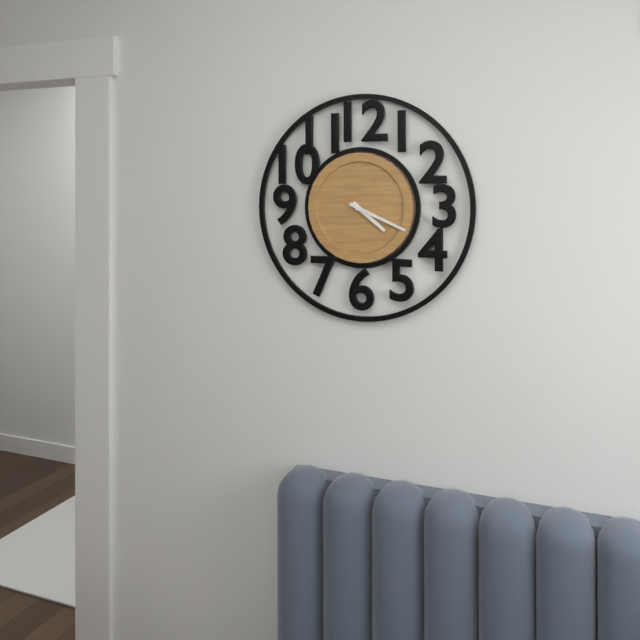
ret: {"hour": 4, "minute": 19}
